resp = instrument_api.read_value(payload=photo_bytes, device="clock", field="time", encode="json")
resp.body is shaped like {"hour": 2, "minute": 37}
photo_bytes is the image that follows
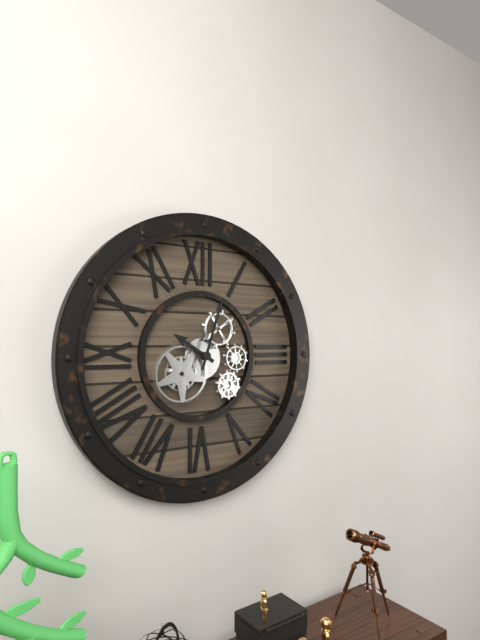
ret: {"hour": 10, "minute": 3}
